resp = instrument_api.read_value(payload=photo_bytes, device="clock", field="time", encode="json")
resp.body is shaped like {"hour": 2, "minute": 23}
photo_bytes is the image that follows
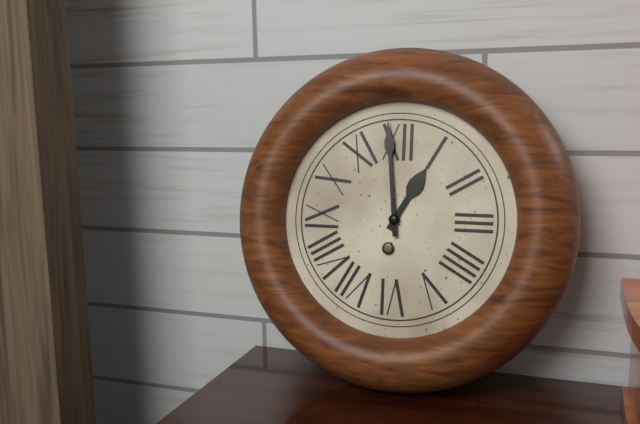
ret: {"hour": 12, "minute": 59}
